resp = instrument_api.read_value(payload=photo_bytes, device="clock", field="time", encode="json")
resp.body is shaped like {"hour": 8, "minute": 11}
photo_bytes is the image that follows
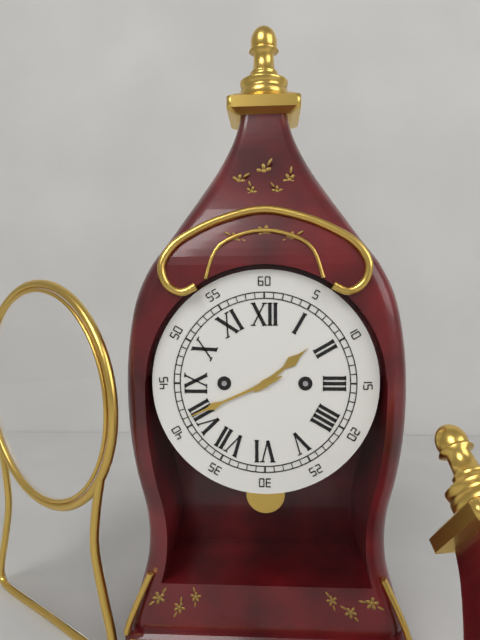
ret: {"hour": 1, "minute": 41}
